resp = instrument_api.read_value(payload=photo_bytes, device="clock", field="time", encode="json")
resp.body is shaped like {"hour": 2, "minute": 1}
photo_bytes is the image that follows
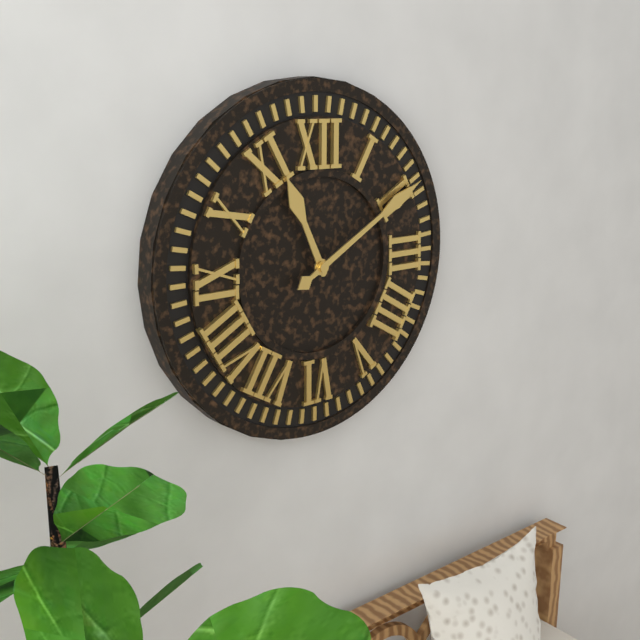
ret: {"hour": 11, "minute": 10}
